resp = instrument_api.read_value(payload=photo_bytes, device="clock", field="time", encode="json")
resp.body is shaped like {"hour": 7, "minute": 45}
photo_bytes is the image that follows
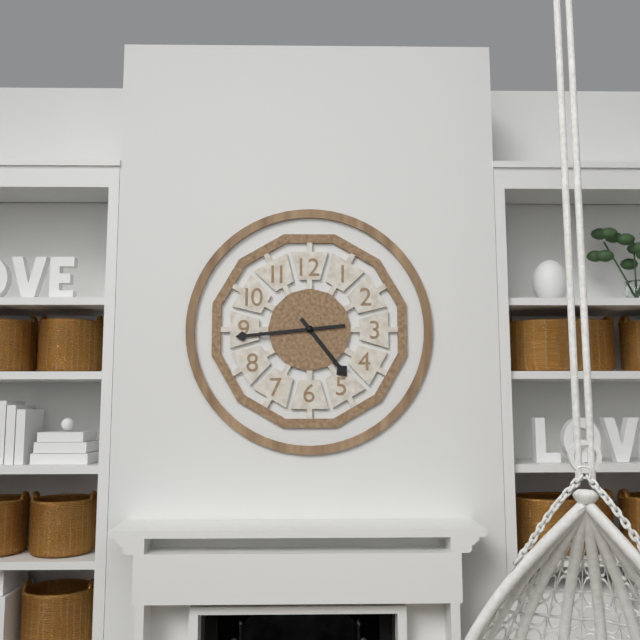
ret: {"hour": 4, "minute": 44}
